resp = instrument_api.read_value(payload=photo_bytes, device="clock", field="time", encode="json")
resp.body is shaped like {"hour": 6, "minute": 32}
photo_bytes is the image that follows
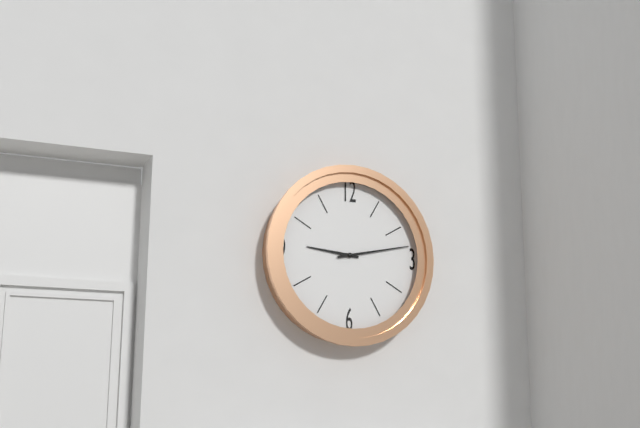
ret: {"hour": 9, "minute": 13}
